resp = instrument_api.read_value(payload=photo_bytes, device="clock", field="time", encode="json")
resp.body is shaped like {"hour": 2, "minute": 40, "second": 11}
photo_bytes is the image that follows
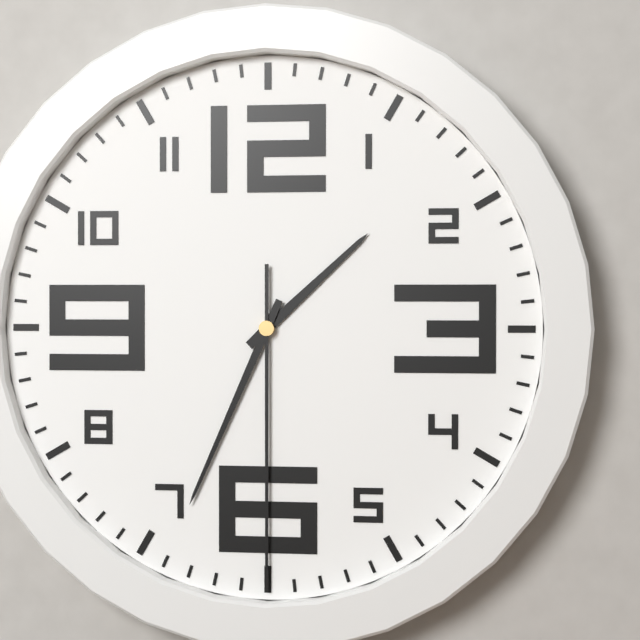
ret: {"hour": 1, "minute": 34, "second": 30}
